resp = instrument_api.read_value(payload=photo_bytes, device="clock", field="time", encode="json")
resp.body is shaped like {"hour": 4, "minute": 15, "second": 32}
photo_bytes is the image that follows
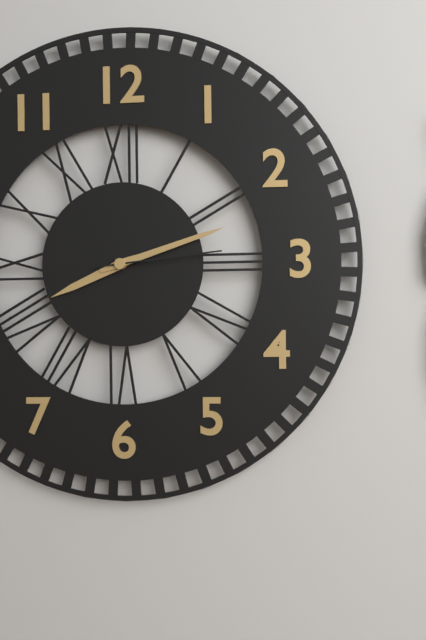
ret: {"hour": 8, "minute": 12, "second": 14}
